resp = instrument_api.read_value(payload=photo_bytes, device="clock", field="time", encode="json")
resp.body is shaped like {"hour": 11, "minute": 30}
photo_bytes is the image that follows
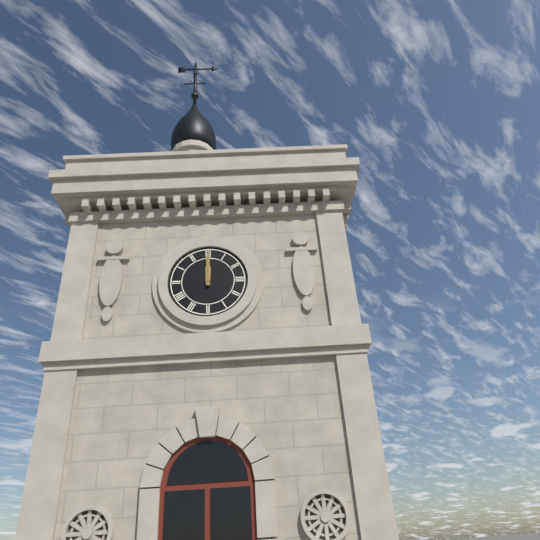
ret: {"hour": 12, "minute": 0}
